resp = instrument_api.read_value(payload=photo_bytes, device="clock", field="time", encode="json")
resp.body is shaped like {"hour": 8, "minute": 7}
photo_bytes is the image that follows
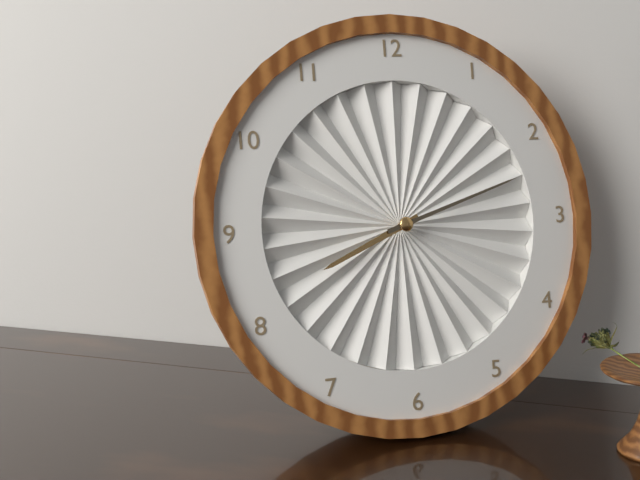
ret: {"hour": 8, "minute": 12}
